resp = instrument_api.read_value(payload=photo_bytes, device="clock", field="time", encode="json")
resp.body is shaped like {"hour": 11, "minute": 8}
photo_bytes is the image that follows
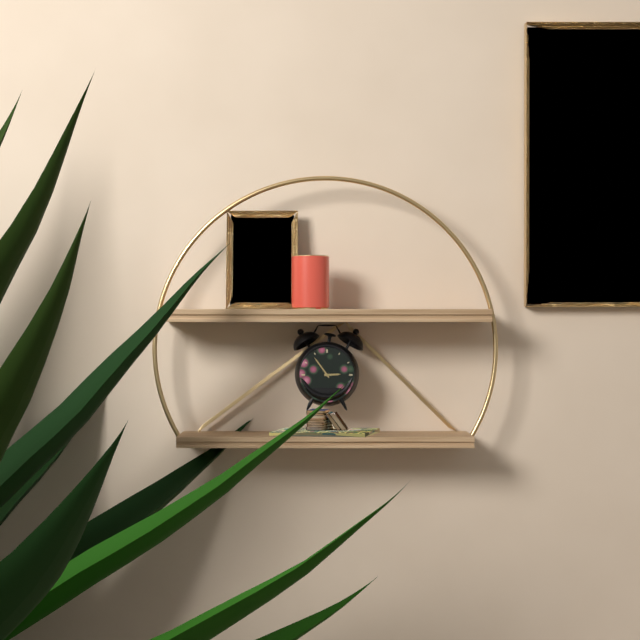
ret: {"hour": 2, "minute": 54}
